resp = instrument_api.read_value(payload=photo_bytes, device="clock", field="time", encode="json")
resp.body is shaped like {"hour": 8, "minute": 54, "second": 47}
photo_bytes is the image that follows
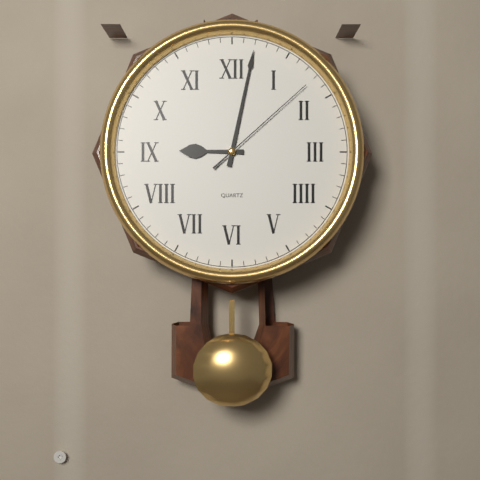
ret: {"hour": 9, "minute": 2, "second": 8}
